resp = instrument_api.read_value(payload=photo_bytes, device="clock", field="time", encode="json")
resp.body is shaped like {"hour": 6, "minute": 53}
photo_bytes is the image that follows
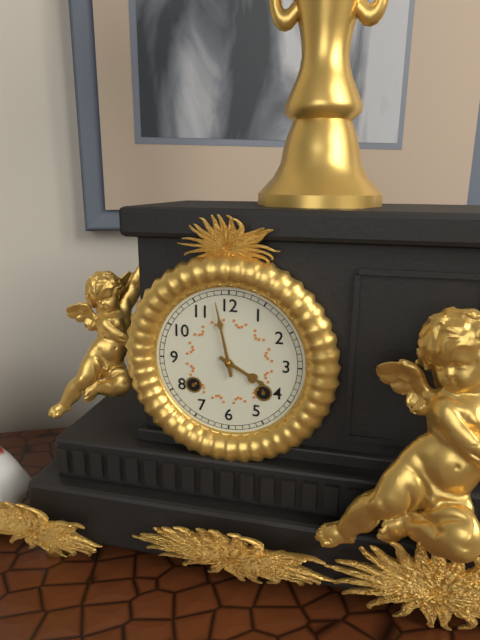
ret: {"hour": 3, "minute": 58}
